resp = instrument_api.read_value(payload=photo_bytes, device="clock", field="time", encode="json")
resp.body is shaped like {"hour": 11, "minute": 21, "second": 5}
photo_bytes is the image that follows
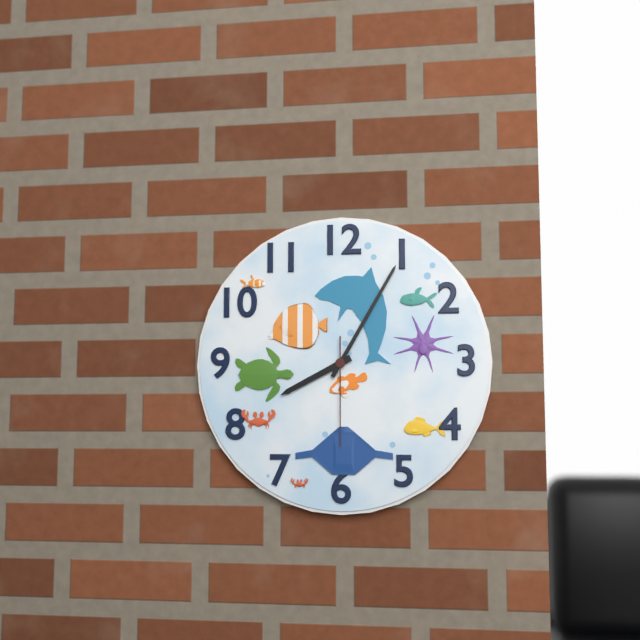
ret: {"hour": 8, "minute": 5, "second": 30}
